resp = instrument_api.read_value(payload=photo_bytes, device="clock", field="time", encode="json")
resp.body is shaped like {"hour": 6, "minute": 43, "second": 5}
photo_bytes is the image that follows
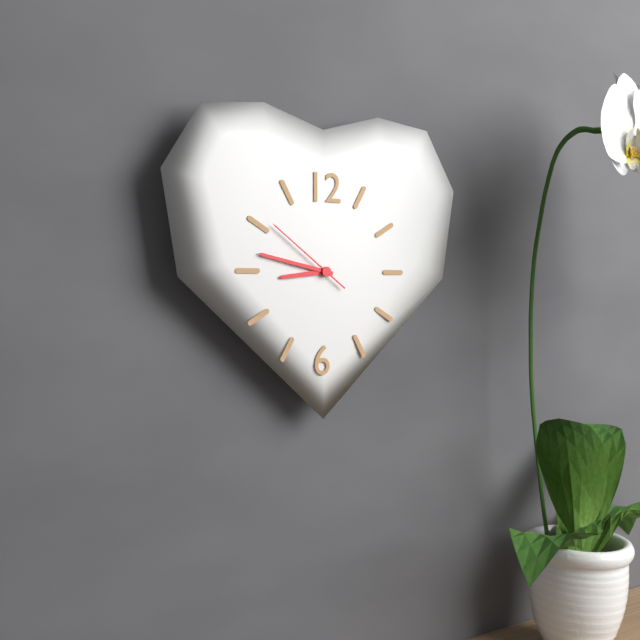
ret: {"hour": 8, "minute": 47, "second": 51}
